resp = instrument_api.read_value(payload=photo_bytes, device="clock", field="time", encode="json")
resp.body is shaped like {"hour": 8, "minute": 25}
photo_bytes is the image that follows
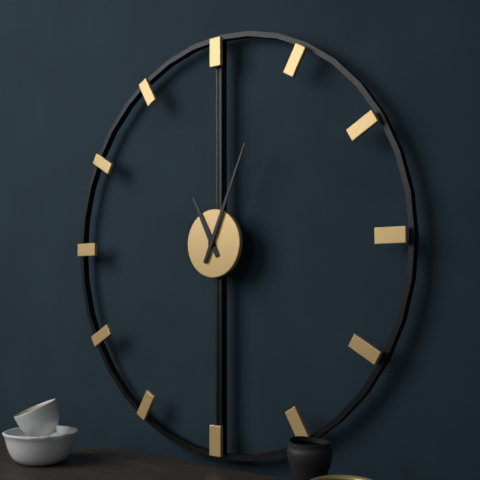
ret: {"hour": 11, "minute": 4}
